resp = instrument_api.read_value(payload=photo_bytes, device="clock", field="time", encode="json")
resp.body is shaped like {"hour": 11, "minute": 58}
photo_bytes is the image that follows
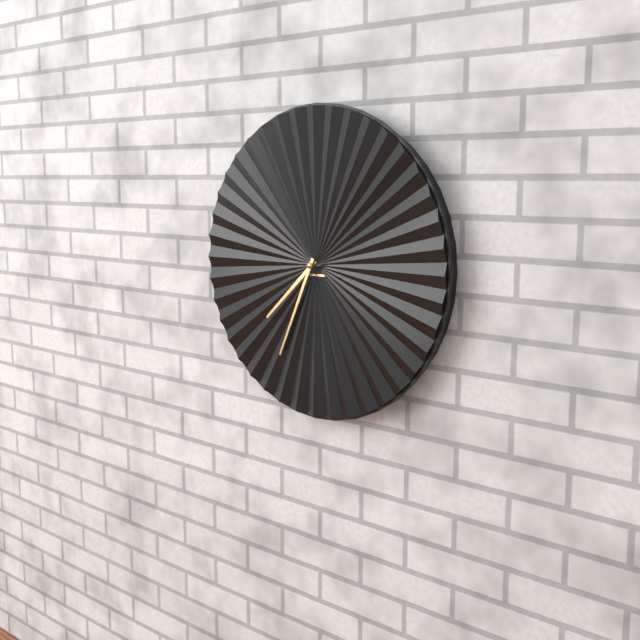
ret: {"hour": 7, "minute": 34}
